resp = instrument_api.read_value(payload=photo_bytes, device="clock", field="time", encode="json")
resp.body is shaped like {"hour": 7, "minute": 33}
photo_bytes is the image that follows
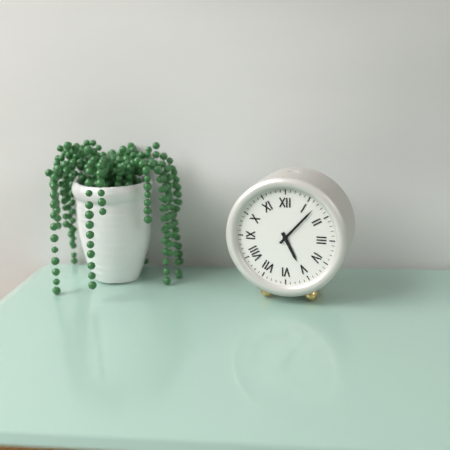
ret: {"hour": 5, "minute": 7}
